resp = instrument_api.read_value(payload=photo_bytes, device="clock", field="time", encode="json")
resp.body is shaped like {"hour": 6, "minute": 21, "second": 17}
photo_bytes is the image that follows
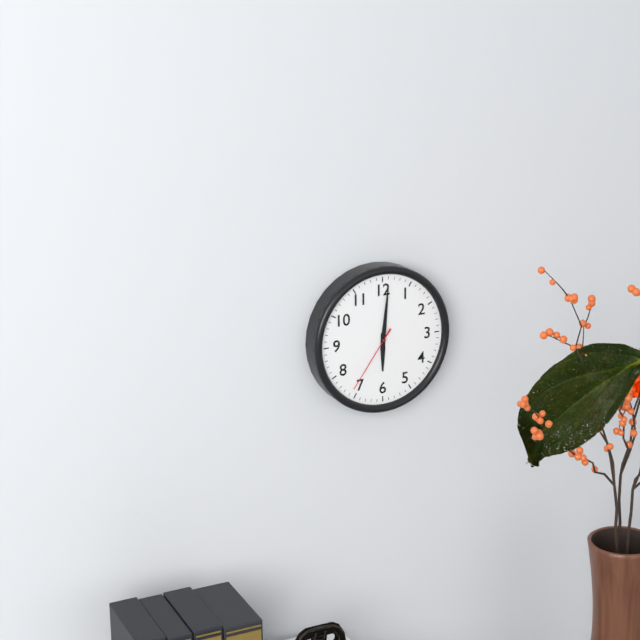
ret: {"hour": 6, "minute": 1, "second": 36}
